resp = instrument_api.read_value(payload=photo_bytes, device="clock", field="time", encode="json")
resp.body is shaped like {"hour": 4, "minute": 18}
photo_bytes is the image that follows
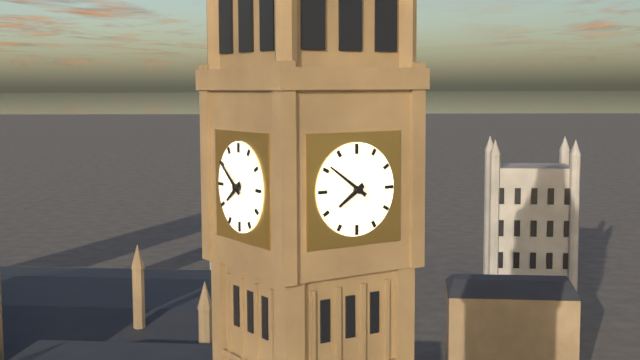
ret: {"hour": 7, "minute": 51}
